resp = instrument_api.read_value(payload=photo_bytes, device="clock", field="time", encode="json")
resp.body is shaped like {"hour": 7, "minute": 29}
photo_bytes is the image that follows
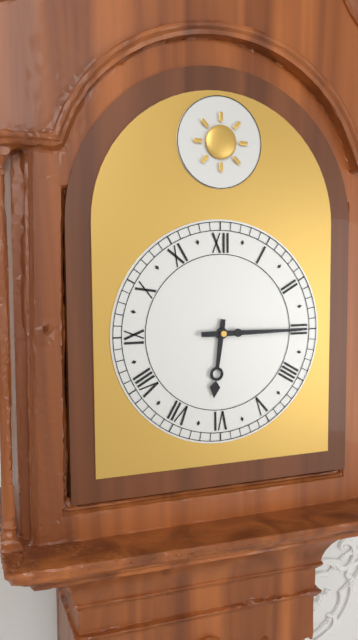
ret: {"hour": 6, "minute": 15}
